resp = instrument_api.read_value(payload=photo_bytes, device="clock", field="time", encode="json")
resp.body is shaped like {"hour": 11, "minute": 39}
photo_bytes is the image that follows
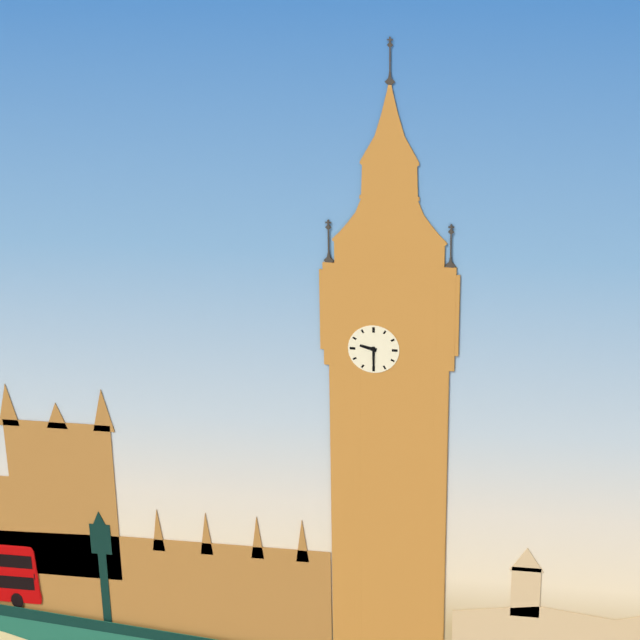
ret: {"hour": 9, "minute": 30}
